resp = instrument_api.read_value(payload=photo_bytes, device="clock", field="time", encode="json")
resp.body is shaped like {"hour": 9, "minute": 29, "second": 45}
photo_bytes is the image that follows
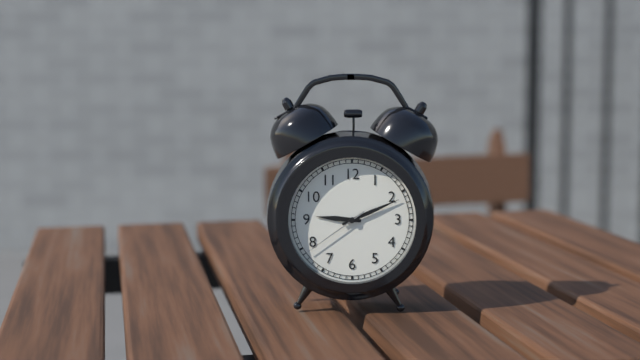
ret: {"hour": 9, "minute": 11, "second": 39}
